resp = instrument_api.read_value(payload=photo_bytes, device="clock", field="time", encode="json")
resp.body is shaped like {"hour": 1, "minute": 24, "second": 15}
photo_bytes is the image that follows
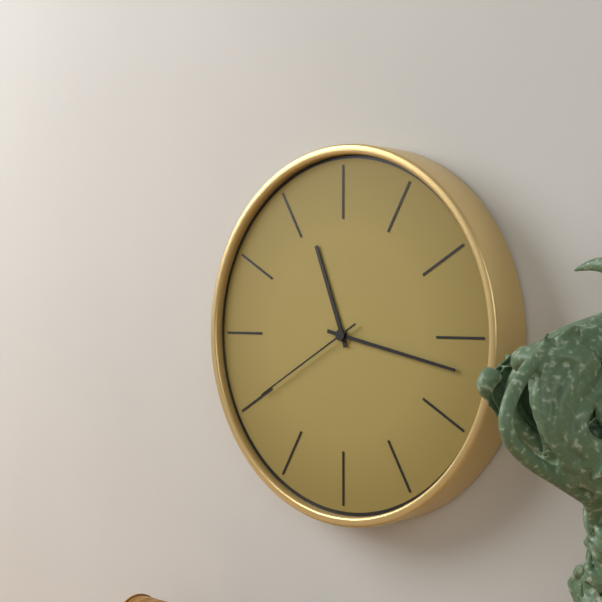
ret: {"hour": 11, "minute": 17, "second": 40}
